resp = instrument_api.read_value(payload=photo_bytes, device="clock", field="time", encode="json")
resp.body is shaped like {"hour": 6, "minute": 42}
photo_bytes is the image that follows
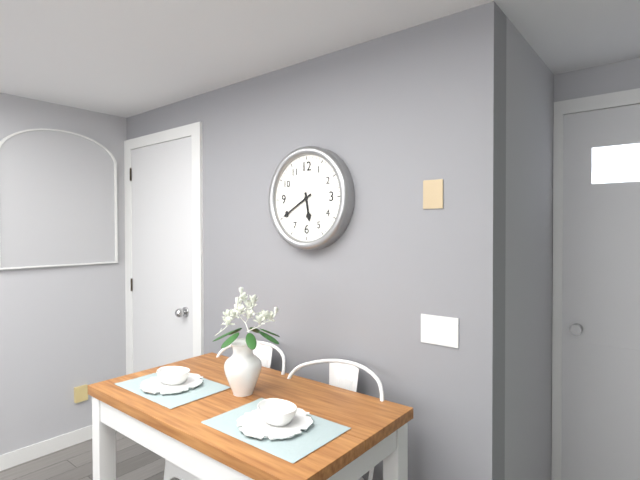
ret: {"hour": 5, "minute": 40}
